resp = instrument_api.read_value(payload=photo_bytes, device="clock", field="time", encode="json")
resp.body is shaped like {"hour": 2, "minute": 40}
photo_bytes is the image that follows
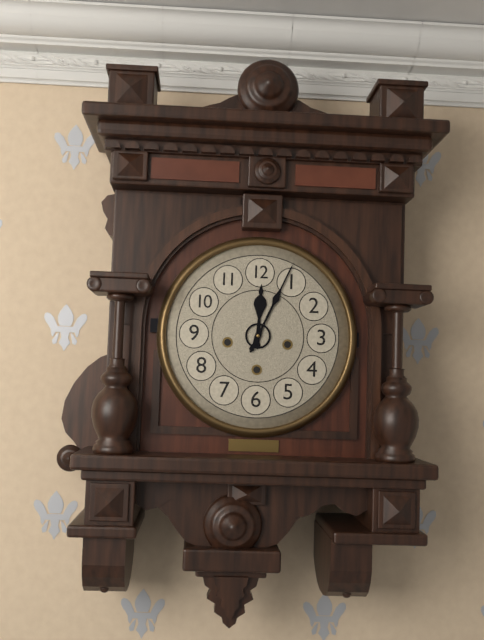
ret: {"hour": 12, "minute": 4}
